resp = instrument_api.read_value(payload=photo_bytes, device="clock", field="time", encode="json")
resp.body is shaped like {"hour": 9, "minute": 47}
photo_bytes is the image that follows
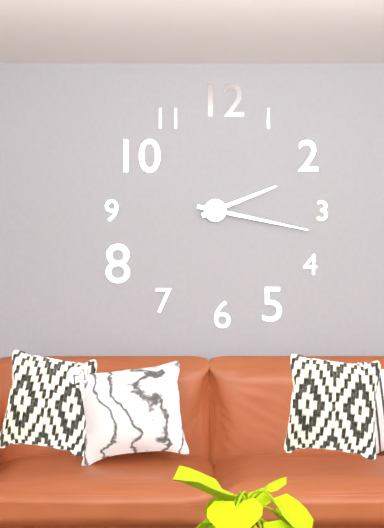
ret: {"hour": 2, "minute": 17}
